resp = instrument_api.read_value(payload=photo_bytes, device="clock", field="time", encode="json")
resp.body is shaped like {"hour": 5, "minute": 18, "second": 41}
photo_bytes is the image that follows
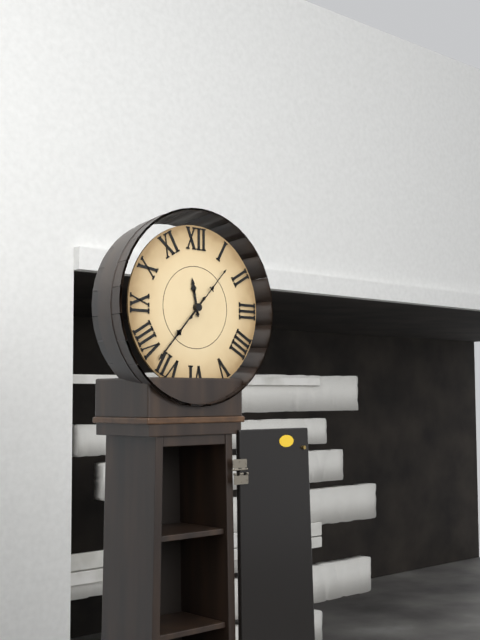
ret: {"hour": 11, "minute": 37, "second": 7}
